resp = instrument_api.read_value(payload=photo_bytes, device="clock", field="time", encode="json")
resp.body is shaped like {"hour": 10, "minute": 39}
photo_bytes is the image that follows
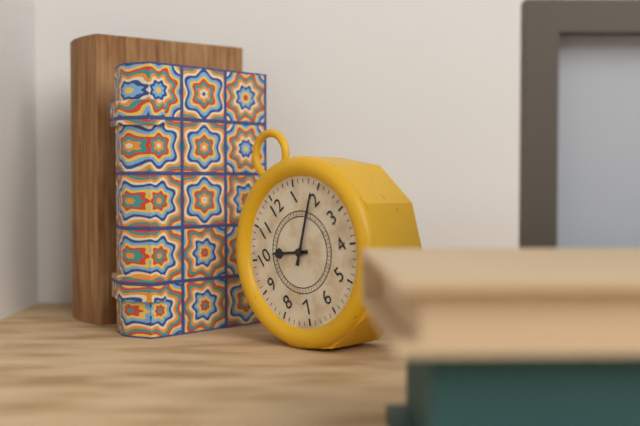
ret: {"hour": 10, "minute": 9}
